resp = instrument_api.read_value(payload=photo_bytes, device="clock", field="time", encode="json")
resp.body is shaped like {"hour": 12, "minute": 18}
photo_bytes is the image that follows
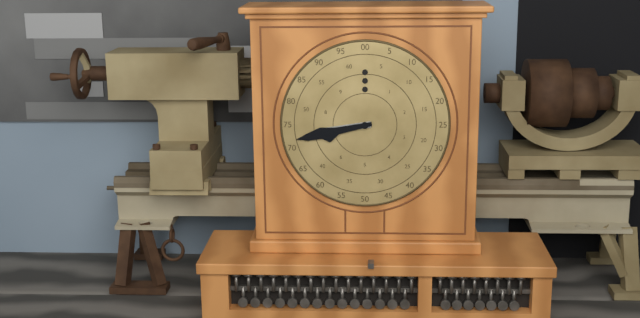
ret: {"hour": 8, "minute": 43}
